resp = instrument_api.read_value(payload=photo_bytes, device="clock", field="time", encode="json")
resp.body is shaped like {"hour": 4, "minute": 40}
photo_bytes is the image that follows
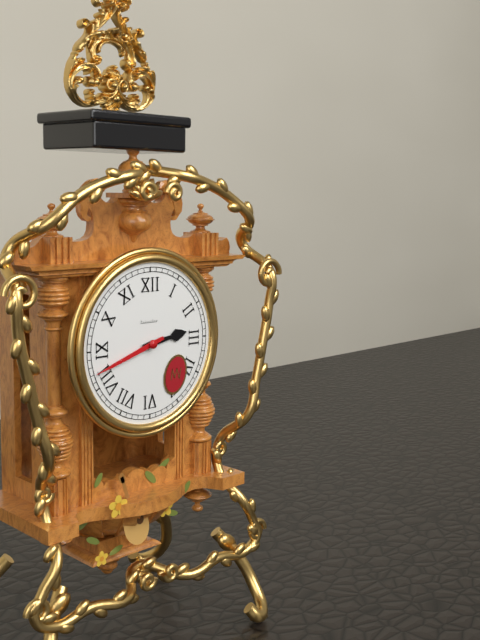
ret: {"hour": 2, "minute": 42}
